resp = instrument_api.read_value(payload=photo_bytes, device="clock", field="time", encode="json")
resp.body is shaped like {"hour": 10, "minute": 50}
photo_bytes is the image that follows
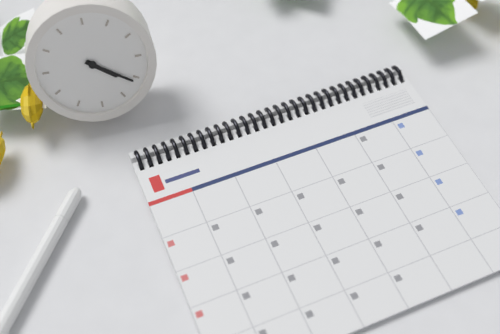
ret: {"hour": 4, "minute": 21}
